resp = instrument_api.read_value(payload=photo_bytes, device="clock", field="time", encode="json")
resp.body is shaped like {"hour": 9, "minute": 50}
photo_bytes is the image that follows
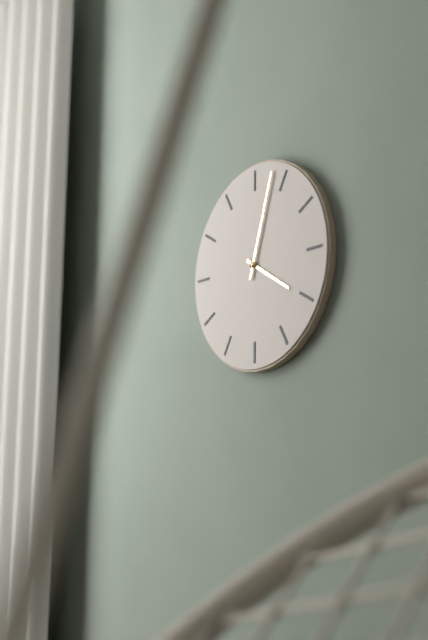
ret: {"hour": 4, "minute": 3}
